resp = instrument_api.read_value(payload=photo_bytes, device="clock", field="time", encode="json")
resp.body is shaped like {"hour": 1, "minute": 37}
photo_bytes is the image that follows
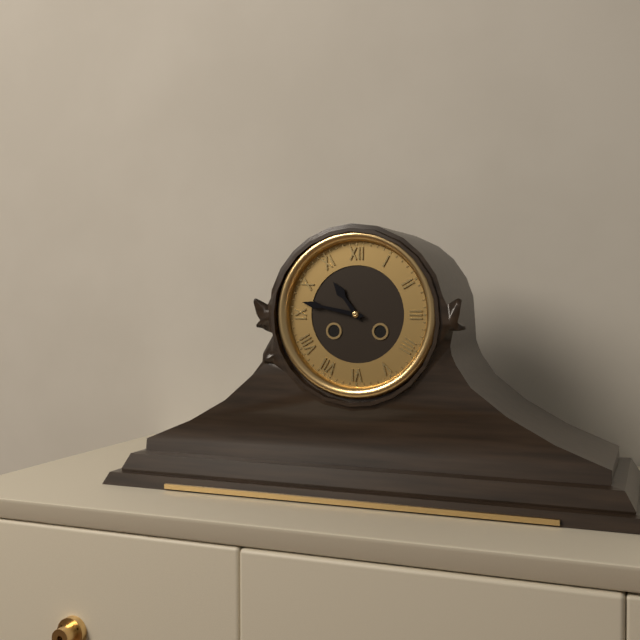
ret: {"hour": 10, "minute": 47}
